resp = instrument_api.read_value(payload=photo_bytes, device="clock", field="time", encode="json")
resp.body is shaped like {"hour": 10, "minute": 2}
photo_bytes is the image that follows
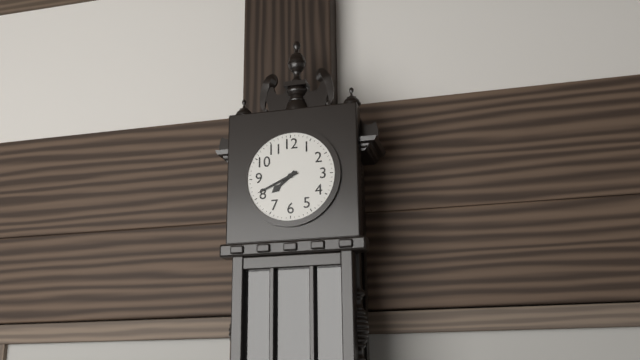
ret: {"hour": 7, "minute": 41}
